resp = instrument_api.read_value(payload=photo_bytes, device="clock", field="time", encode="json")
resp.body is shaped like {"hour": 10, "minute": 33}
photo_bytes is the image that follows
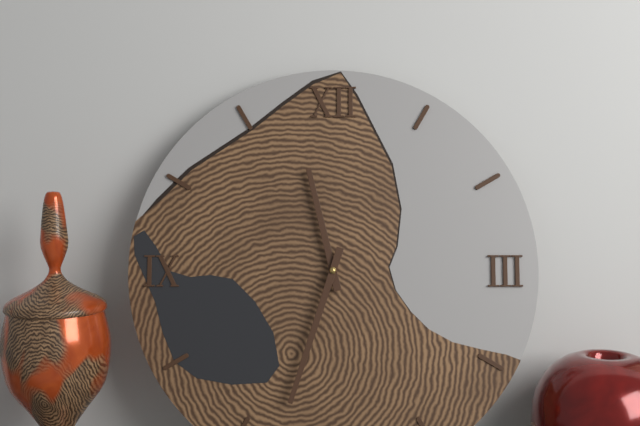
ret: {"hour": 11, "minute": 33}
